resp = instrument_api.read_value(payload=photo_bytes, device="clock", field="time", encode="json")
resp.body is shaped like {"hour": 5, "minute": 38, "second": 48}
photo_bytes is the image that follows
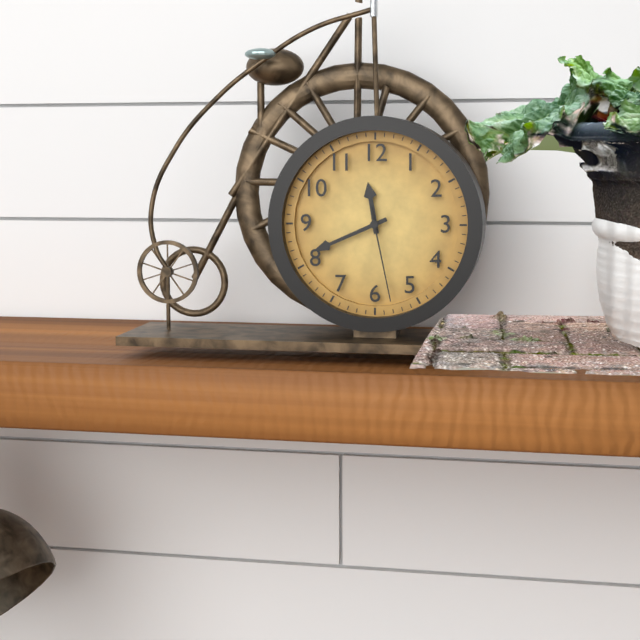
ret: {"hour": 11, "minute": 41, "second": 28}
